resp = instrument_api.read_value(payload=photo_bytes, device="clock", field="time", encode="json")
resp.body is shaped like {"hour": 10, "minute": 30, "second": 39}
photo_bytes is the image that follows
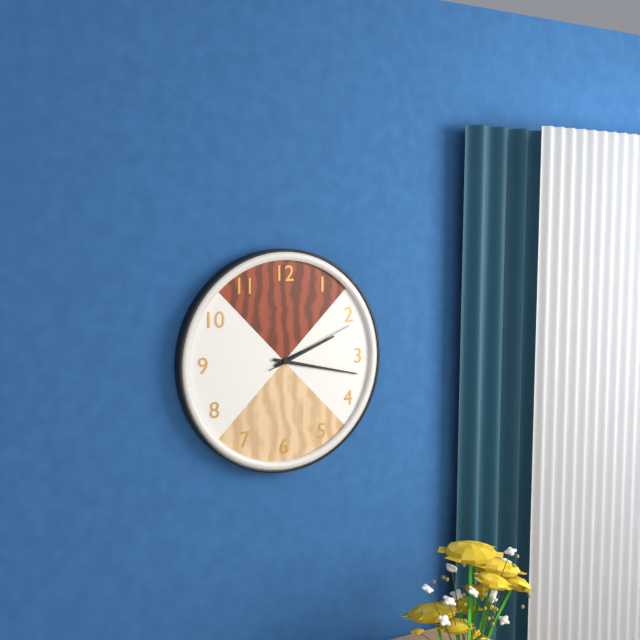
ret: {"hour": 2, "minute": 17, "second": 11}
